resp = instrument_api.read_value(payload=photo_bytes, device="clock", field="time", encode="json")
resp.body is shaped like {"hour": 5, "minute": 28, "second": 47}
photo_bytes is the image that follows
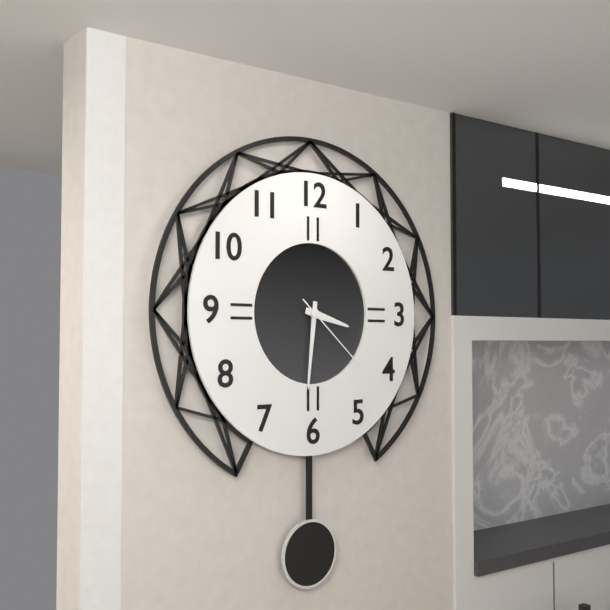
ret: {"hour": 3, "minute": 31, "second": 22}
